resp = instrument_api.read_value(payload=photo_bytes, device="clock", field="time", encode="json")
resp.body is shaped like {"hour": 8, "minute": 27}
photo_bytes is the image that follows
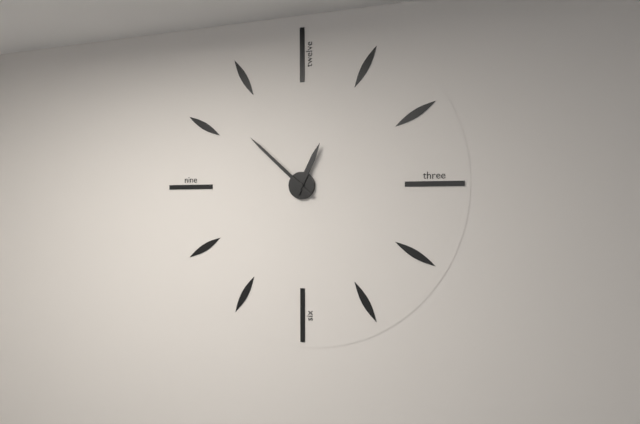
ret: {"hour": 12, "minute": 52}
